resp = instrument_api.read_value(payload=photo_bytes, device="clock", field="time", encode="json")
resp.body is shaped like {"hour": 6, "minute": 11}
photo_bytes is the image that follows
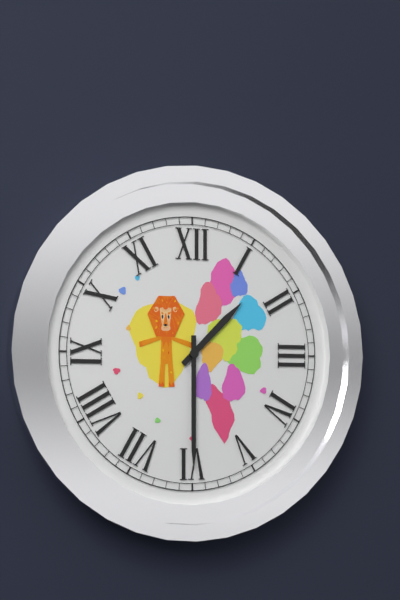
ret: {"hour": 1, "minute": 30}
